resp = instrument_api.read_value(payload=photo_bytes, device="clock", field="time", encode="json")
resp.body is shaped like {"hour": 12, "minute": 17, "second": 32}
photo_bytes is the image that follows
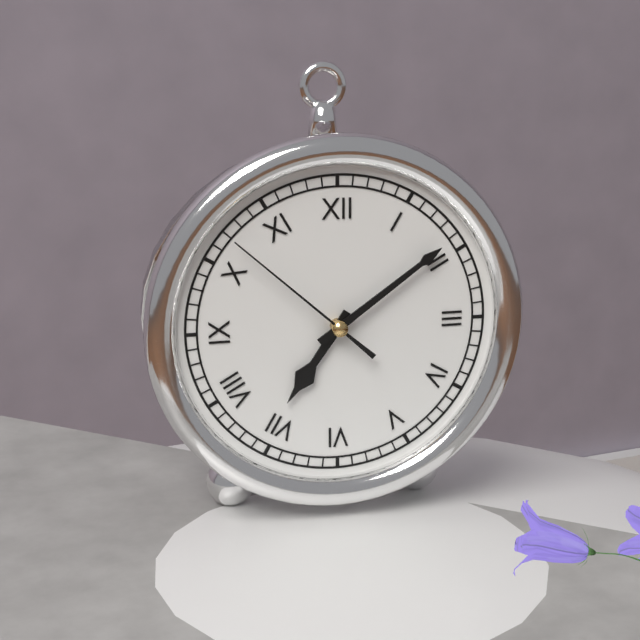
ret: {"hour": 7, "minute": 9, "second": 52}
